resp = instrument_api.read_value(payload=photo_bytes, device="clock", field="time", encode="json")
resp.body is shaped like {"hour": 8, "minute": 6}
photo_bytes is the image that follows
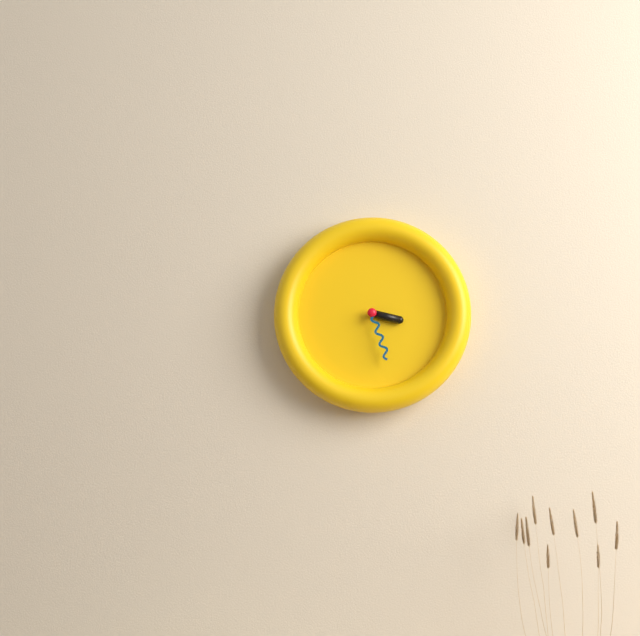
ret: {"hour": 3, "minute": 27}
